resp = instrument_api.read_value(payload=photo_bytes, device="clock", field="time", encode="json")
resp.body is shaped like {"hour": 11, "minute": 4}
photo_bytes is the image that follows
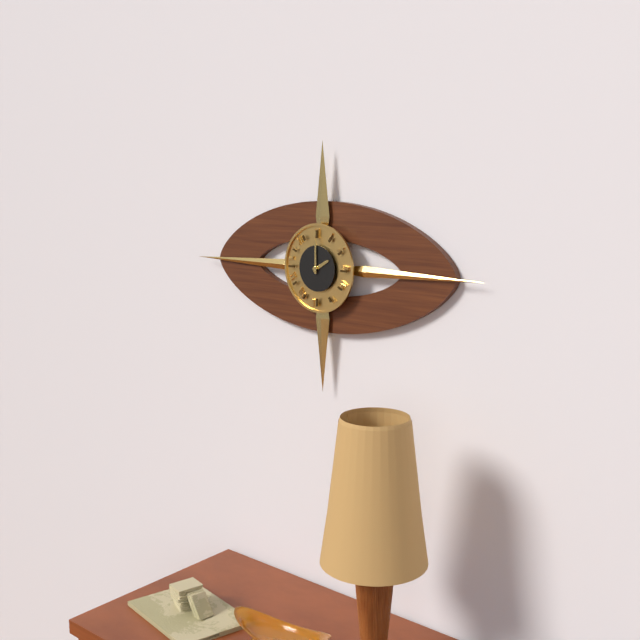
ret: {"hour": 2, "minute": 0}
